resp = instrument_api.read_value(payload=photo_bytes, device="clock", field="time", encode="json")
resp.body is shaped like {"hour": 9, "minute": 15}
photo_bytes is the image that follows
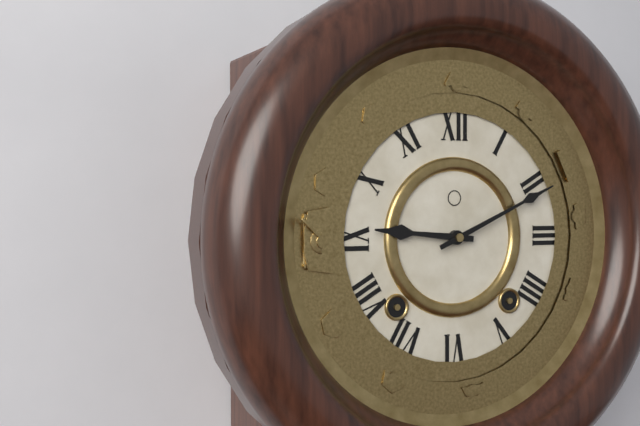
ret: {"hour": 9, "minute": 11}
